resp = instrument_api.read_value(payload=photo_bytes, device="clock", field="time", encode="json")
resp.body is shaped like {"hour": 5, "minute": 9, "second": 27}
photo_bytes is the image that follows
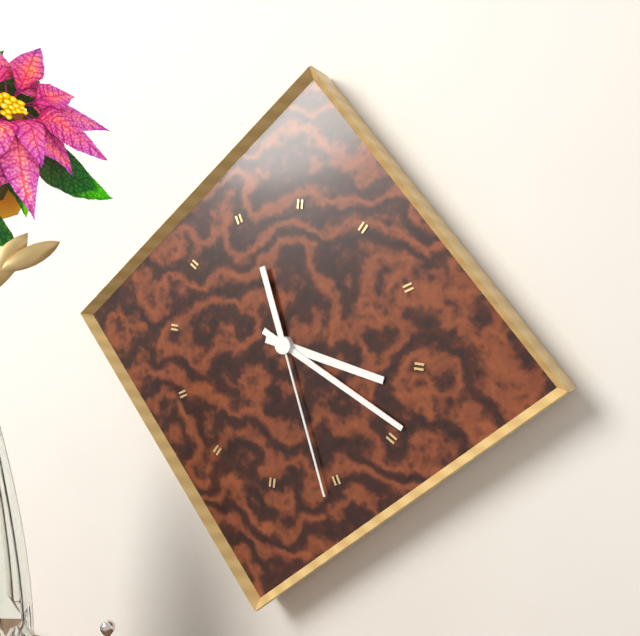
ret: {"hour": 3, "minute": 19, "second": 26}
